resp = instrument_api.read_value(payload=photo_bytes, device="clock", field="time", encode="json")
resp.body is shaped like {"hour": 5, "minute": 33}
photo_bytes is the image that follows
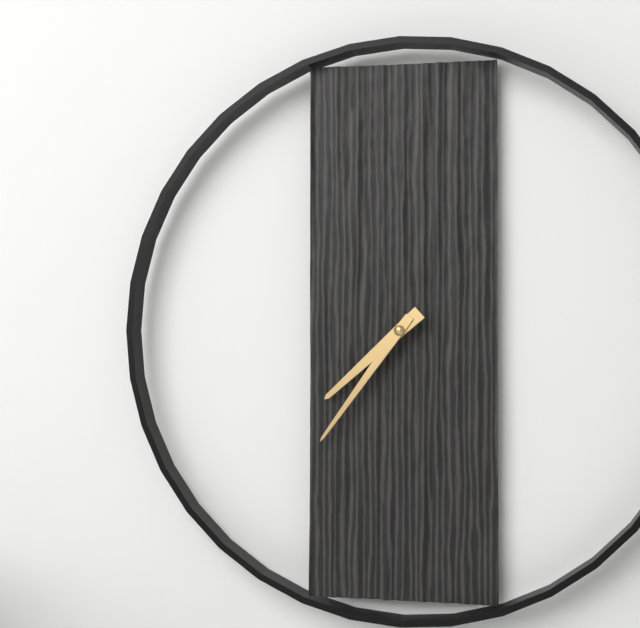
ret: {"hour": 7, "minute": 36}
